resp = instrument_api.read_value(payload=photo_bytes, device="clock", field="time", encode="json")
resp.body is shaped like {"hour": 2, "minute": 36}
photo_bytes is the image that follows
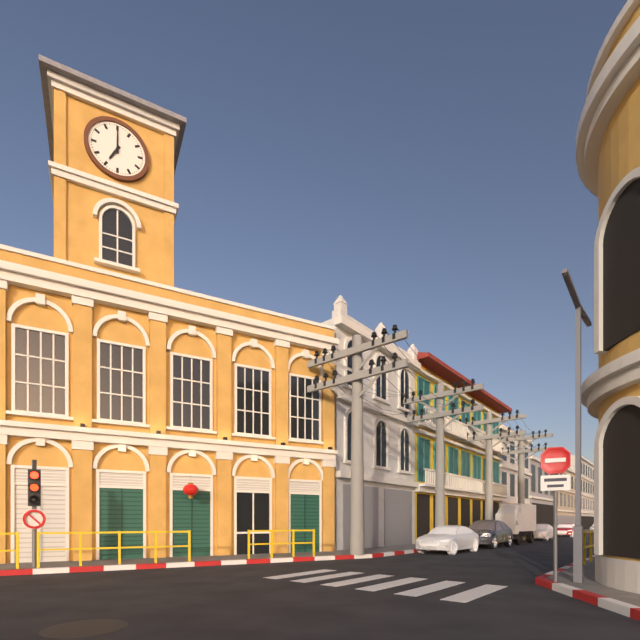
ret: {"hour": 7, "minute": 0}
